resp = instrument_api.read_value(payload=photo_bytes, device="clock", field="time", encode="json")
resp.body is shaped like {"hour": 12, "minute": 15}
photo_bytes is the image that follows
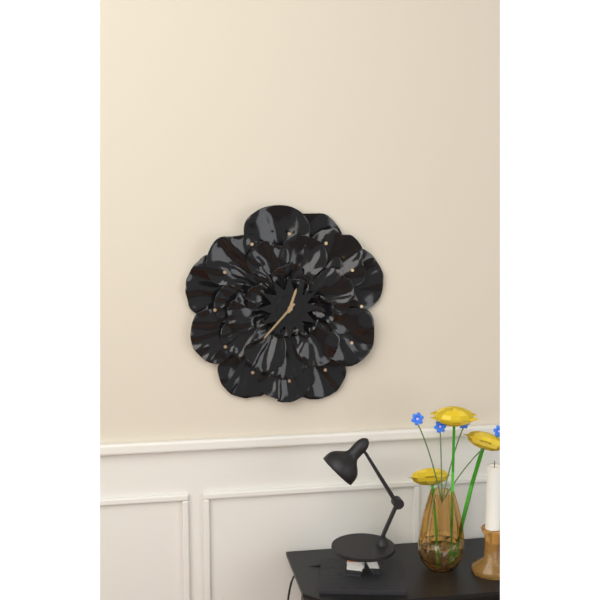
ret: {"hour": 12, "minute": 37}
